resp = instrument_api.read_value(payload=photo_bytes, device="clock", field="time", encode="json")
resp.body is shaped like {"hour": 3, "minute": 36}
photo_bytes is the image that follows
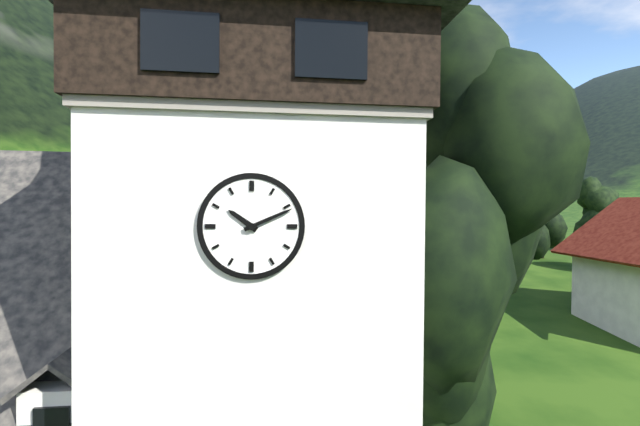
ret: {"hour": 10, "minute": 11}
